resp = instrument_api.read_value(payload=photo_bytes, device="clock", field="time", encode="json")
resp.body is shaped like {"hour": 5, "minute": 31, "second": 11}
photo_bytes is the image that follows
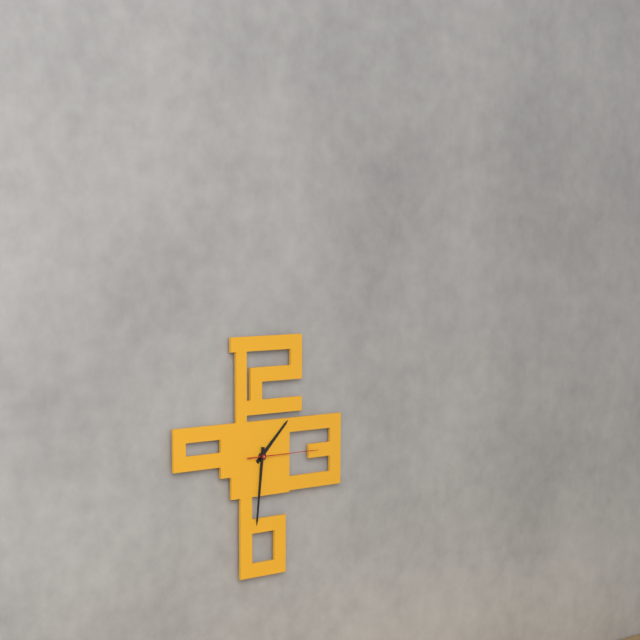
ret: {"hour": 1, "minute": 31, "second": 15}
